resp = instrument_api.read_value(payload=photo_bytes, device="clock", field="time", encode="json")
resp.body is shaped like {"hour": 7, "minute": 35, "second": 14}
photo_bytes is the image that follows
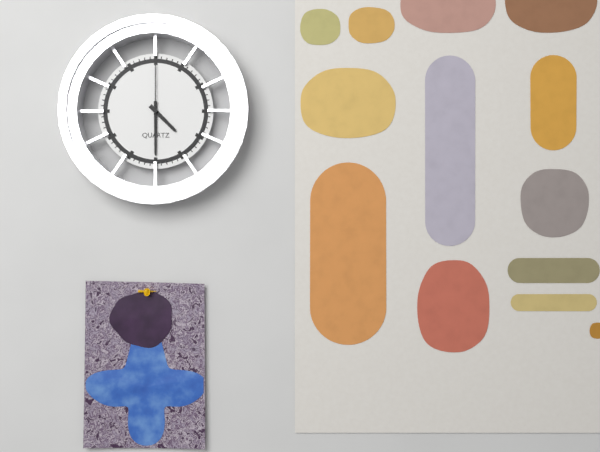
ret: {"hour": 4, "minute": 30, "second": 0}
